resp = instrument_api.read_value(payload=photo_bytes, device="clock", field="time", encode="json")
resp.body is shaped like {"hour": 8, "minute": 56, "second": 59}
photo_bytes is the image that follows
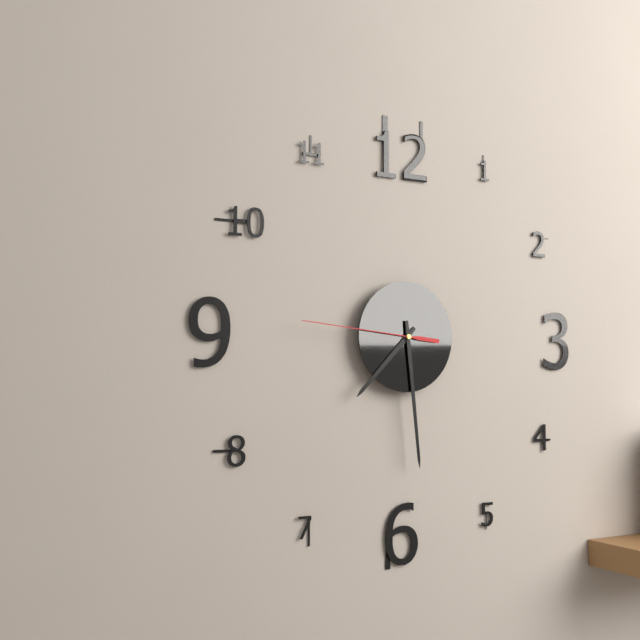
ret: {"hour": 7, "minute": 29, "second": 46}
